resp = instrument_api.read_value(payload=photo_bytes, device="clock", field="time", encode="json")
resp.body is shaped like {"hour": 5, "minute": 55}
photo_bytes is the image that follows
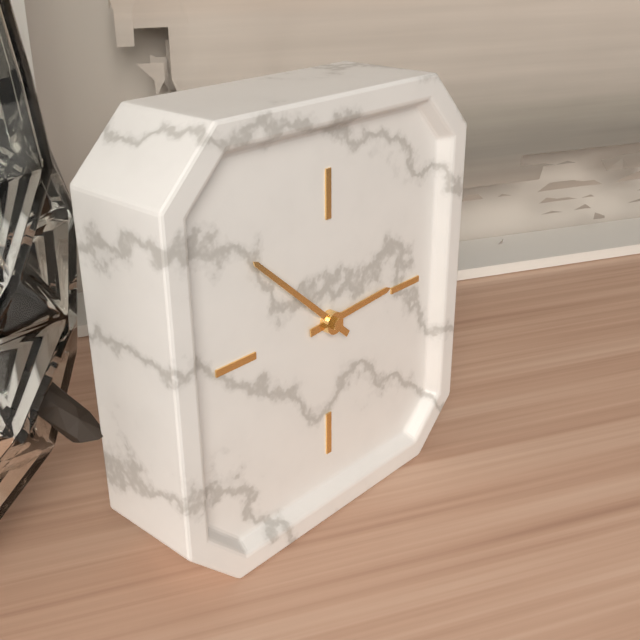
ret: {"hour": 2, "minute": 52}
